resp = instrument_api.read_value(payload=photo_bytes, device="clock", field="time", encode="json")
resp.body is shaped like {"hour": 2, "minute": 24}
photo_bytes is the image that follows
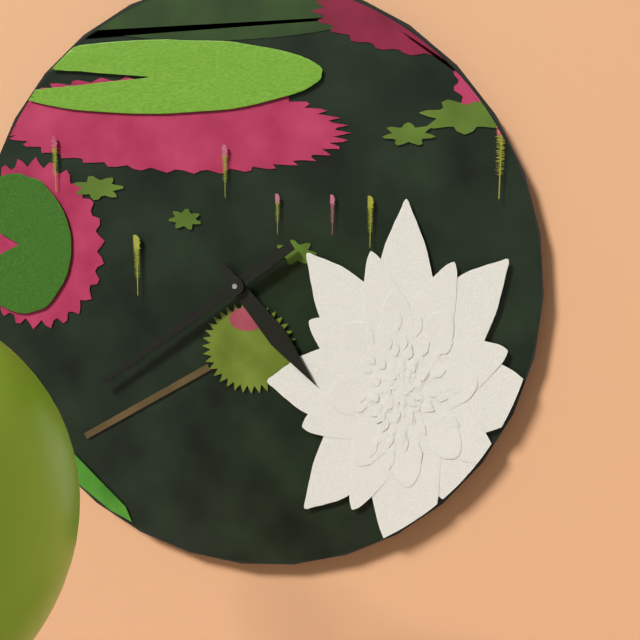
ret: {"hour": 4, "minute": 39}
